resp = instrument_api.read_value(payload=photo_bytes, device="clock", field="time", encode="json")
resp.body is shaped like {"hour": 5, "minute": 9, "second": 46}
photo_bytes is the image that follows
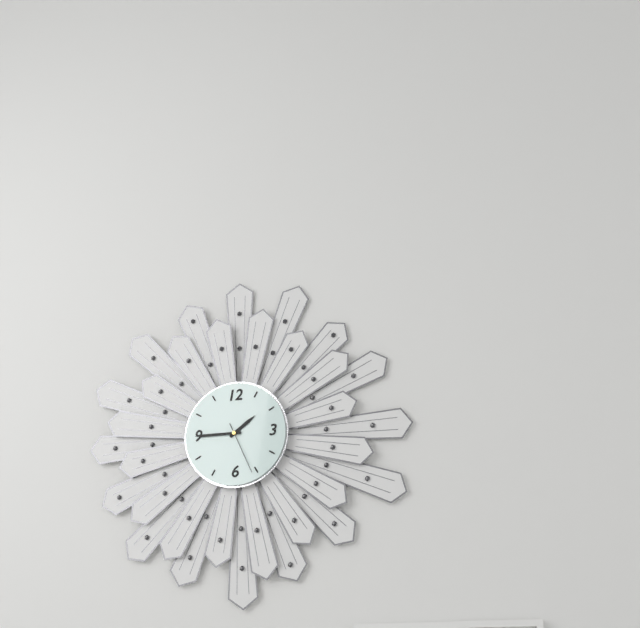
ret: {"hour": 1, "minute": 45, "second": 26}
